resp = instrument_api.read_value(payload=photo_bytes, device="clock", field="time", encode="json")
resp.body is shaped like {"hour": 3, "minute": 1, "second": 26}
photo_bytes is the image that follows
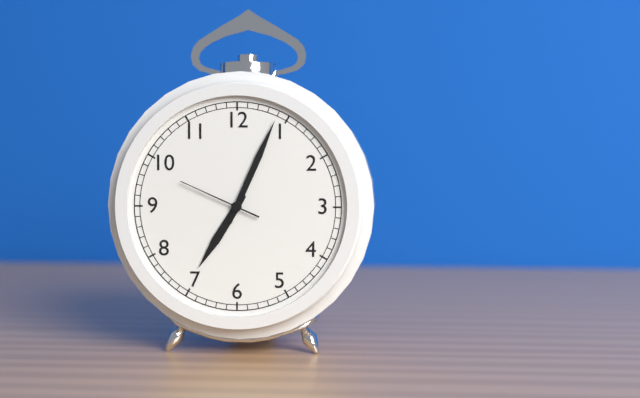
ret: {"hour": 7, "minute": 4, "second": 49}
